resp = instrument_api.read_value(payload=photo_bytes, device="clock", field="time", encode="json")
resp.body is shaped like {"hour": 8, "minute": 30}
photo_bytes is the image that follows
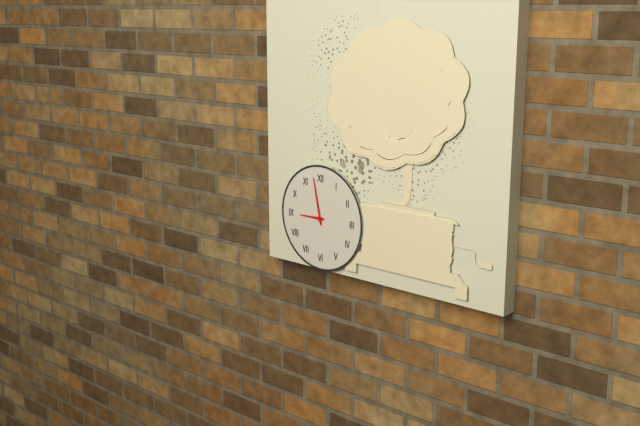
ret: {"hour": 8, "minute": 58}
